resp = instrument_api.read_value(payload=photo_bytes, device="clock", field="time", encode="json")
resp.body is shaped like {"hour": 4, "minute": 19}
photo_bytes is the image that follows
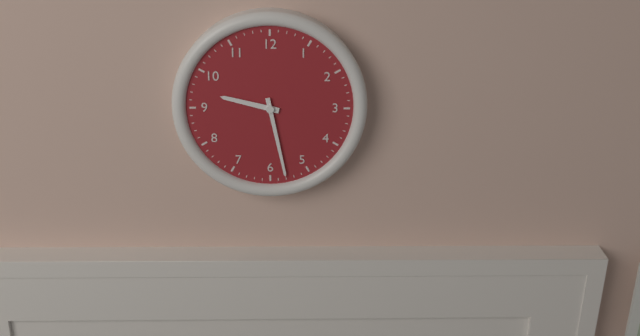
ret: {"hour": 9, "minute": 28}
